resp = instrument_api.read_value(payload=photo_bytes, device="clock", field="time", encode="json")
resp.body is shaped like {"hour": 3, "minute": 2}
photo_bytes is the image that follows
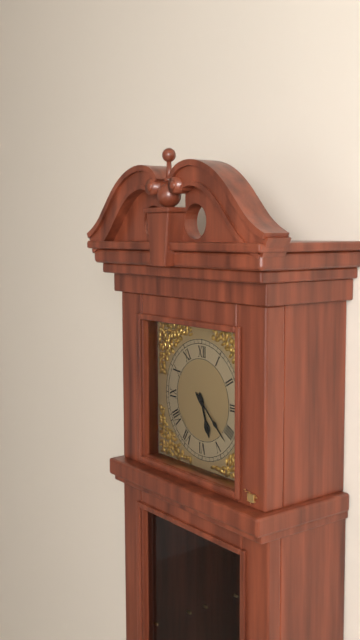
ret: {"hour": 5, "minute": 22}
